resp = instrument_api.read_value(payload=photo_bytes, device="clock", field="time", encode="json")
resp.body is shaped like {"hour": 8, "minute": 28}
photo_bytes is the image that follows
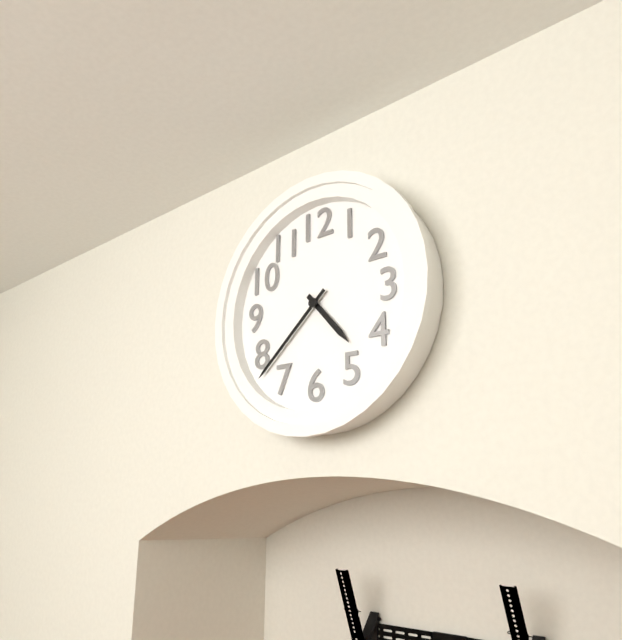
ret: {"hour": 4, "minute": 38}
